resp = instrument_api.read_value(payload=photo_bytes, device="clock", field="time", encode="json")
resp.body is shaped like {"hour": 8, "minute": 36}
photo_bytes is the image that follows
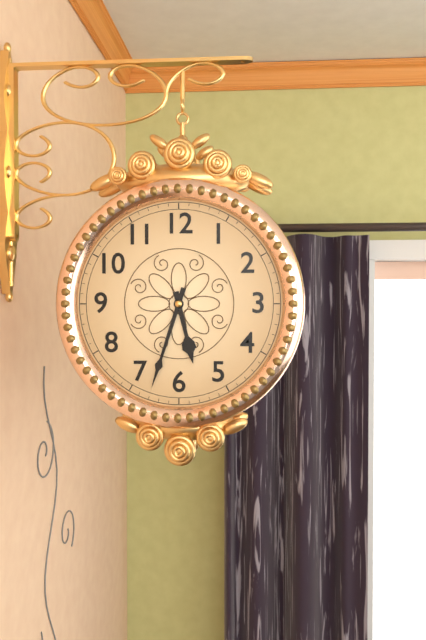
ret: {"hour": 5, "minute": 33}
